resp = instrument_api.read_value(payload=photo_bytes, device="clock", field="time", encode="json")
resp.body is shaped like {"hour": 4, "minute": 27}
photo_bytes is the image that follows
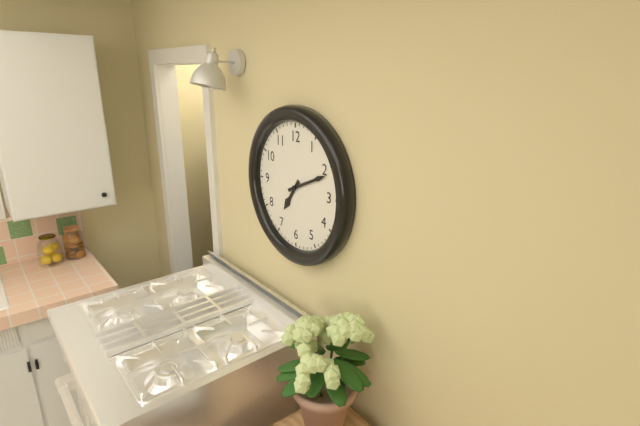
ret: {"hour": 7, "minute": 11}
